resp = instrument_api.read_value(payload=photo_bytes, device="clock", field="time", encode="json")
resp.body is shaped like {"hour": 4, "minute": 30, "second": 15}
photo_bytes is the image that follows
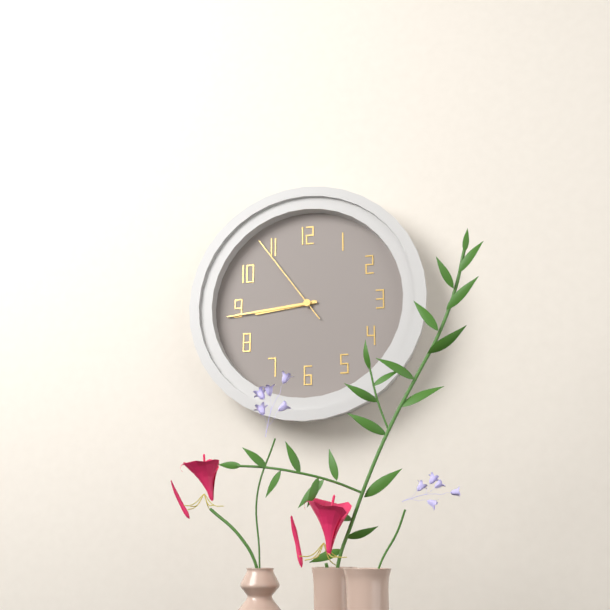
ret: {"hour": 8, "minute": 44, "second": 54}
